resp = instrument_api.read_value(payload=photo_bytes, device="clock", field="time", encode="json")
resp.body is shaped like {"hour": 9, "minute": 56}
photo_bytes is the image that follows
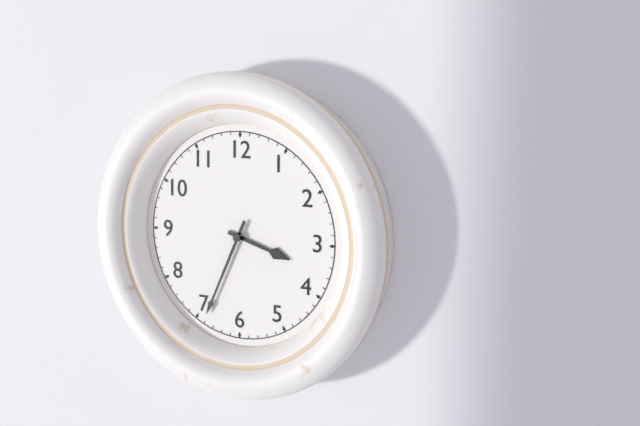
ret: {"hour": 3, "minute": 34}
